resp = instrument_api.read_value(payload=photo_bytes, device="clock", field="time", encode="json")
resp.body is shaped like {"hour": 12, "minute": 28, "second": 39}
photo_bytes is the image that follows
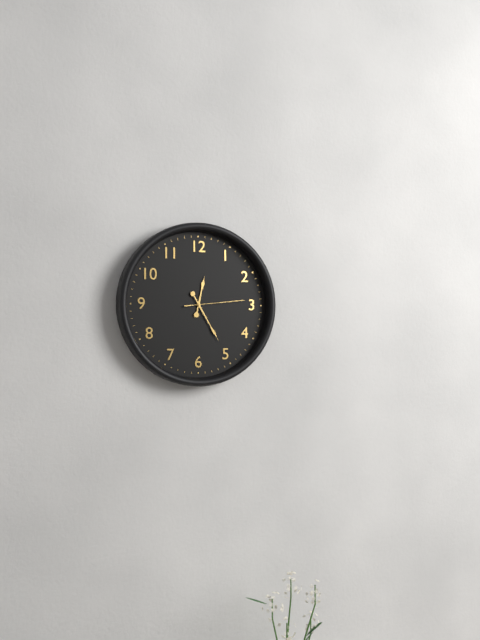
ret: {"hour": 12, "minute": 25, "second": 14}
